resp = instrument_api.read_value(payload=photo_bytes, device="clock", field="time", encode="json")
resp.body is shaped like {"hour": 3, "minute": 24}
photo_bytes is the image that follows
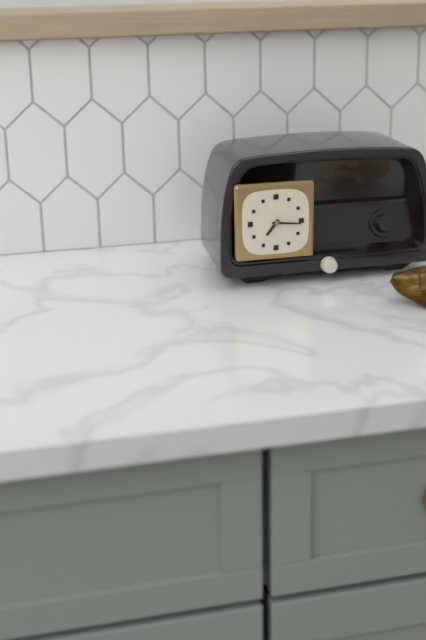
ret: {"hour": 7, "minute": 16}
